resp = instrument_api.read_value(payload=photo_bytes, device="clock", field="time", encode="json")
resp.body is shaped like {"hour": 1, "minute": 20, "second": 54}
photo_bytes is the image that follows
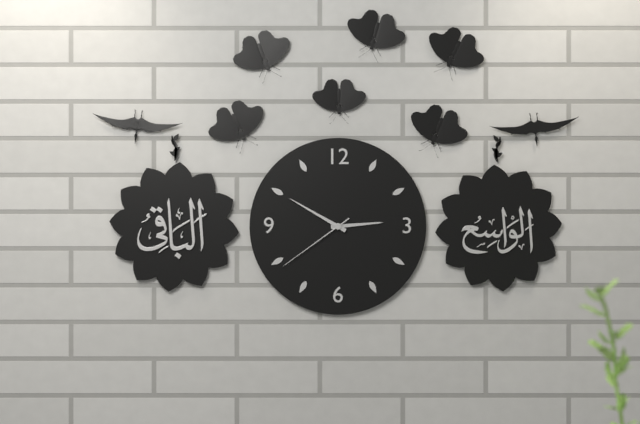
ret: {"hour": 2, "minute": 50, "second": 39}
